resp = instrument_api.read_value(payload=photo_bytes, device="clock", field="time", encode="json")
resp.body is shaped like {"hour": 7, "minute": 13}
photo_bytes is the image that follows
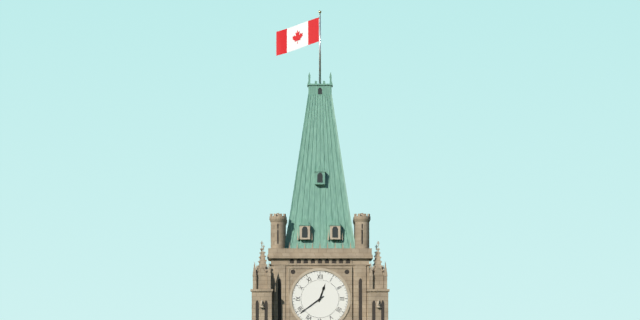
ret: {"hour": 12, "minute": 39}
